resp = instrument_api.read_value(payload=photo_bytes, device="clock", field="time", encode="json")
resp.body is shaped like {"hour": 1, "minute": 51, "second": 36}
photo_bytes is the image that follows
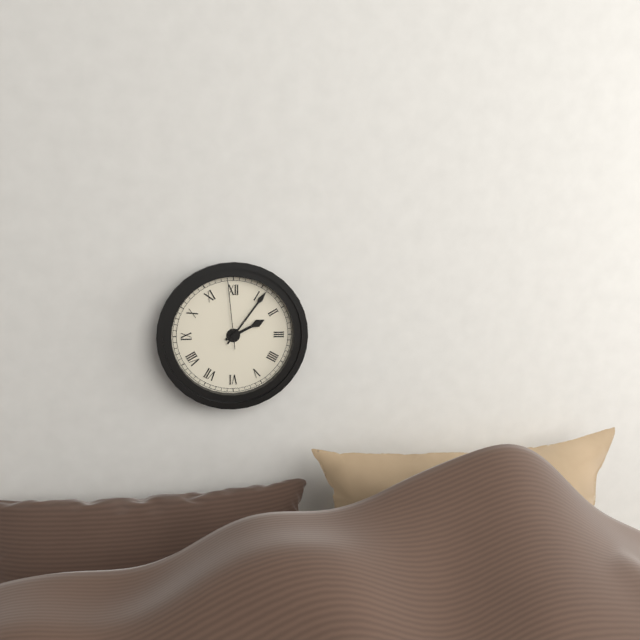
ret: {"hour": 2, "minute": 6, "second": 59}
